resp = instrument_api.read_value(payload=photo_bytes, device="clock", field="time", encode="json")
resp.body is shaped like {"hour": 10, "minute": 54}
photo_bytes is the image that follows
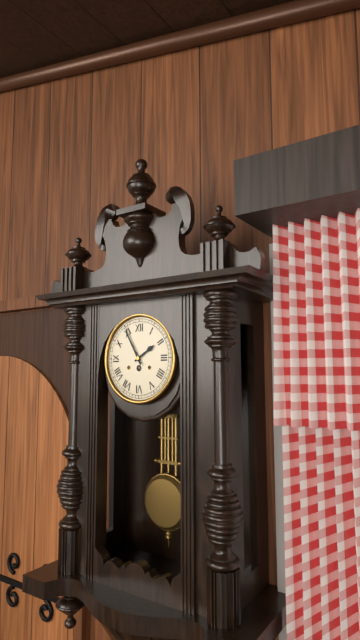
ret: {"hour": 1, "minute": 55}
